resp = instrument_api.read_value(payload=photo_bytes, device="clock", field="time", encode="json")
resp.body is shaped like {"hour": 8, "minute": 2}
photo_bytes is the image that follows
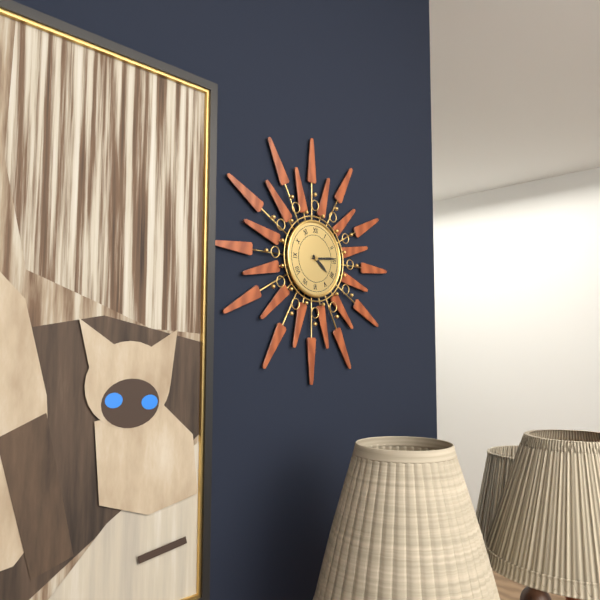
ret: {"hour": 4, "minute": 14}
